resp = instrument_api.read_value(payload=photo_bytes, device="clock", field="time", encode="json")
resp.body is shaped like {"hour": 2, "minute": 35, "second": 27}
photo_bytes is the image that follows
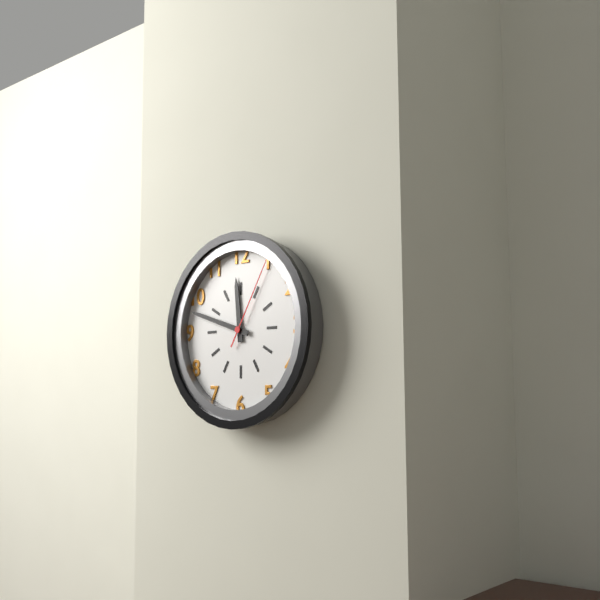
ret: {"hour": 11, "minute": 48, "second": 5}
